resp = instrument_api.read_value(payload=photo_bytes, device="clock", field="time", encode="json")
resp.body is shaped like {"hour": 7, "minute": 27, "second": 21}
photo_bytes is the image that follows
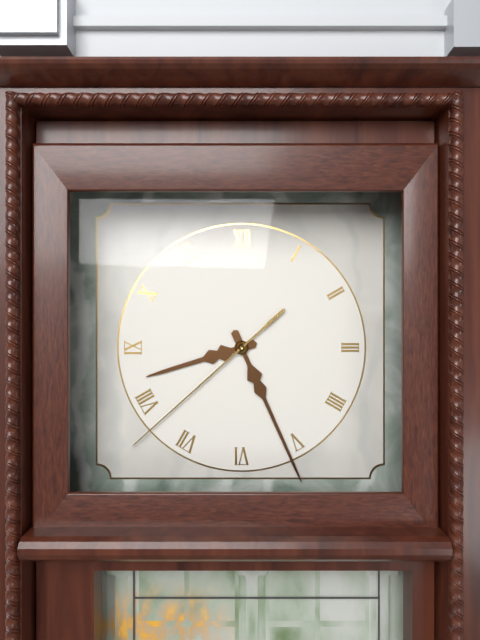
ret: {"hour": 8, "minute": 26, "second": 38}
